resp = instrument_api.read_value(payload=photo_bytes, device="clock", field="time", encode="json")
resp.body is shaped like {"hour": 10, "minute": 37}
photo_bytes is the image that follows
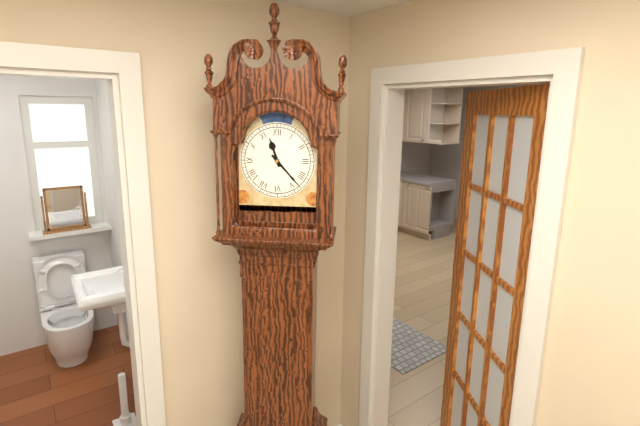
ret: {"hour": 11, "minute": 23}
